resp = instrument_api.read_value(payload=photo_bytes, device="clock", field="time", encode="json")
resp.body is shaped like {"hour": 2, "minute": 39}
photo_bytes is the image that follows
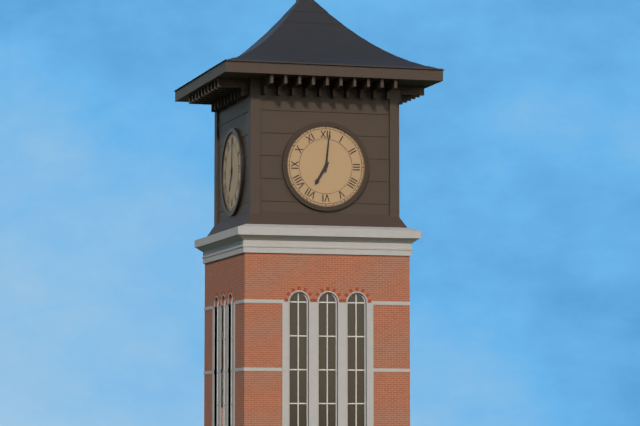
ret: {"hour": 7, "minute": 1}
